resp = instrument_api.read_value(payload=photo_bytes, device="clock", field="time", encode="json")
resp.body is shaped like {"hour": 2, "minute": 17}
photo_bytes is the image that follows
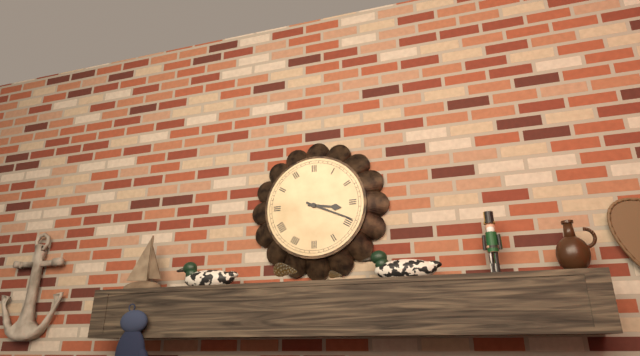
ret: {"hour": 3, "minute": 19}
